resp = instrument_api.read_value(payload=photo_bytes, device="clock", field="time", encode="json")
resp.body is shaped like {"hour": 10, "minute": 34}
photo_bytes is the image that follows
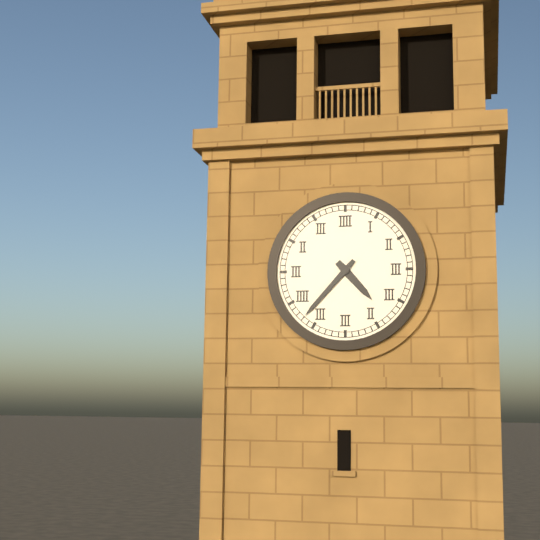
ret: {"hour": 4, "minute": 37}
